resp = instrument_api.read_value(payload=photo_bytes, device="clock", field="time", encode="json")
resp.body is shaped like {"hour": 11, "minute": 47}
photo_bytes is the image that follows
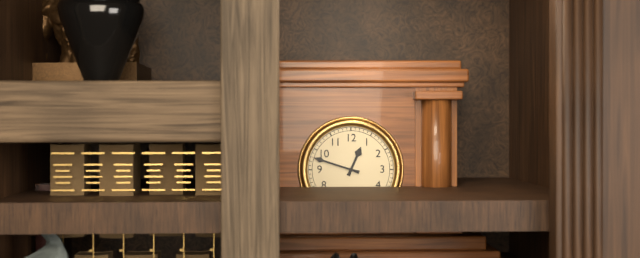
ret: {"hour": 12, "minute": 48}
